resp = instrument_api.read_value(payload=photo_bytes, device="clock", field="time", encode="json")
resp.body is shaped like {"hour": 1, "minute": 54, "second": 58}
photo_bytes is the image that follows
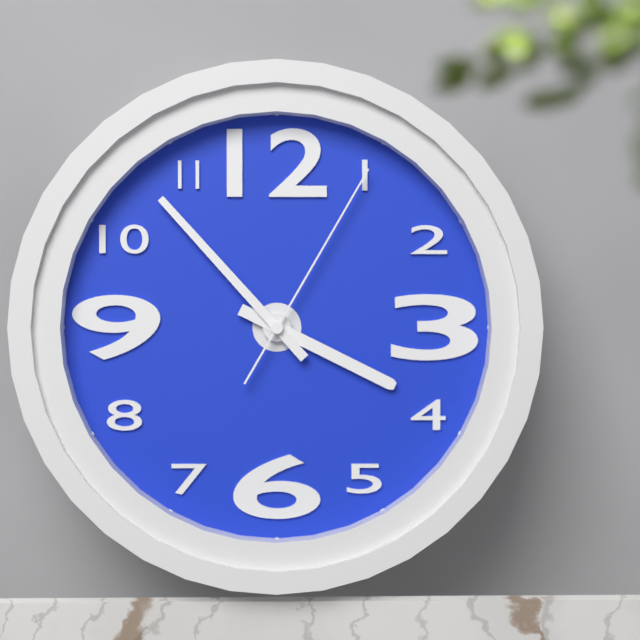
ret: {"hour": 3, "minute": 53, "second": 5}
